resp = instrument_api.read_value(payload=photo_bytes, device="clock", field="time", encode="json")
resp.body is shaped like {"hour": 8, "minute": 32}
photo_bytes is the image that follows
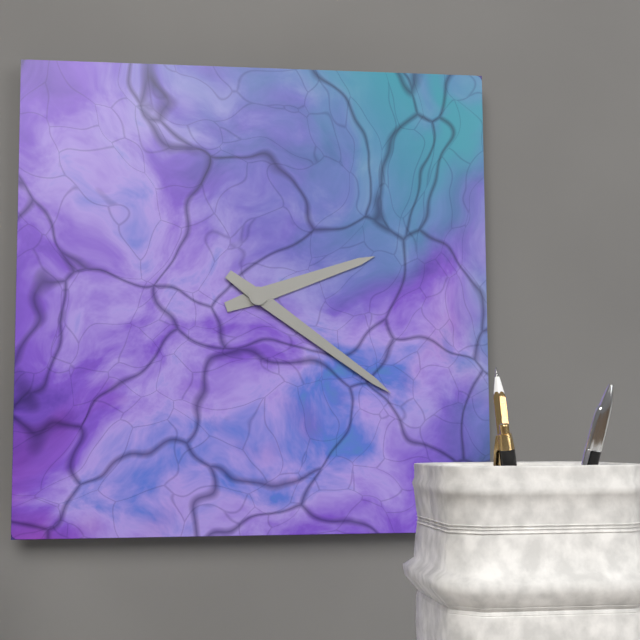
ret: {"hour": 2, "minute": 21}
